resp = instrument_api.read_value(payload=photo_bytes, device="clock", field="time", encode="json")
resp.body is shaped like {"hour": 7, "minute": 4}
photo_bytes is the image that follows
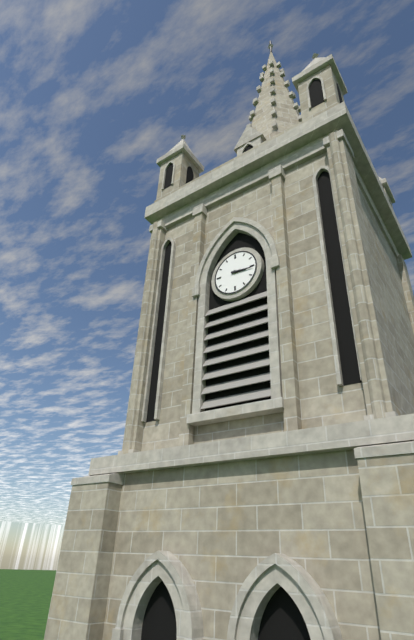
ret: {"hour": 3, "minute": 16}
